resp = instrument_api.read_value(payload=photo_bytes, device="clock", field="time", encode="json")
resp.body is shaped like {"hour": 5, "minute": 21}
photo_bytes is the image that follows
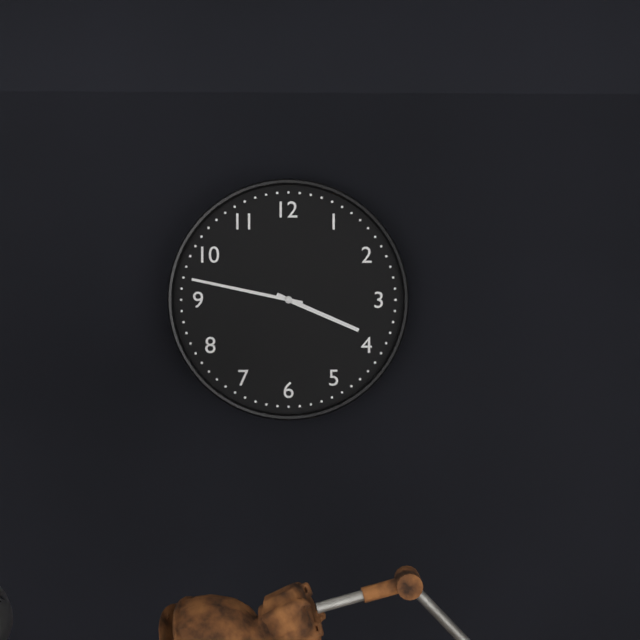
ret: {"hour": 3, "minute": 47}
